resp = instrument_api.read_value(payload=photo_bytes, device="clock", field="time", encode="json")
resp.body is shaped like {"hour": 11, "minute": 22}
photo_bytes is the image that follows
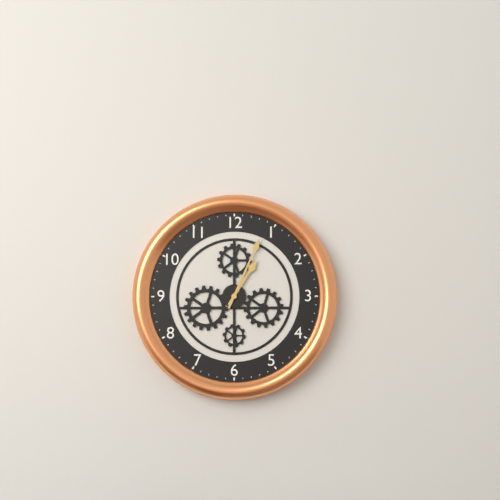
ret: {"hour": 1, "minute": 4}
